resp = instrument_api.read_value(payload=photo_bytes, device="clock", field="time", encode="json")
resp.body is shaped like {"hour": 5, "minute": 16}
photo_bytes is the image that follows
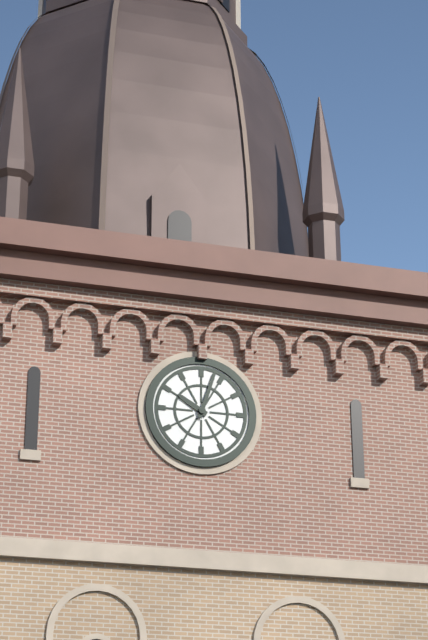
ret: {"hour": 10, "minute": 3}
